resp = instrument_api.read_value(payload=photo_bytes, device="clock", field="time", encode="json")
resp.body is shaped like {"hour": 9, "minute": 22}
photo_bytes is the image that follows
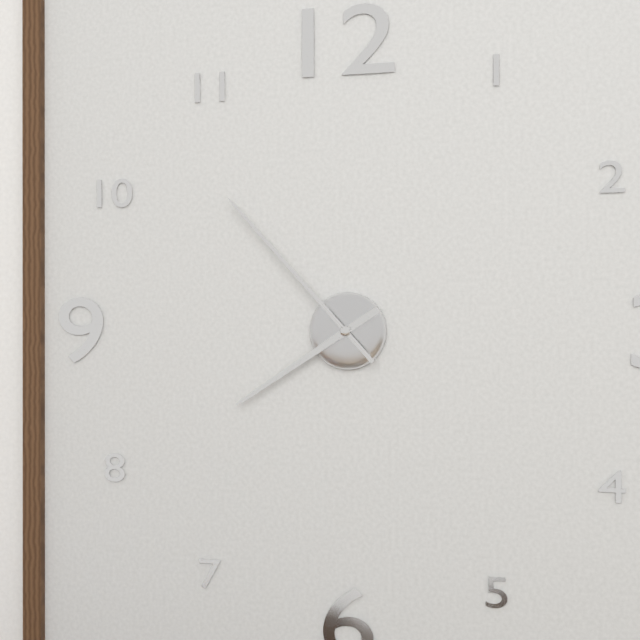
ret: {"hour": 7, "minute": 53}
